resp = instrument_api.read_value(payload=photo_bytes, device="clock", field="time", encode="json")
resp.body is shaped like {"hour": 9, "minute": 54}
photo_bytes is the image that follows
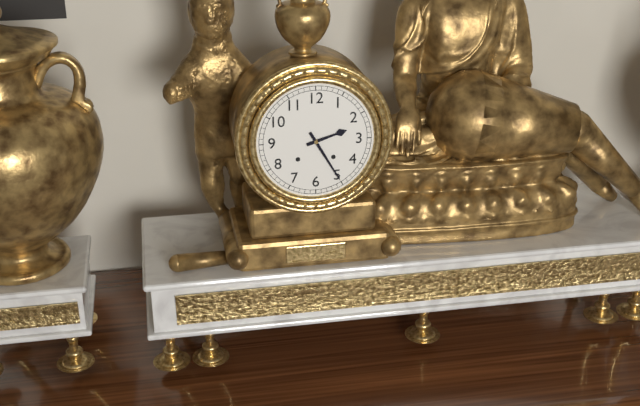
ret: {"hour": 2, "minute": 25}
